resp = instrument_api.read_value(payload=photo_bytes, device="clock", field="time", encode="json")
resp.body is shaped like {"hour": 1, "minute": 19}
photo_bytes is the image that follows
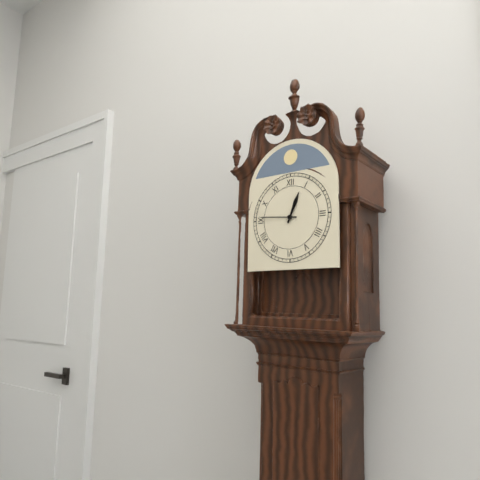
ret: {"hour": 12, "minute": 46}
